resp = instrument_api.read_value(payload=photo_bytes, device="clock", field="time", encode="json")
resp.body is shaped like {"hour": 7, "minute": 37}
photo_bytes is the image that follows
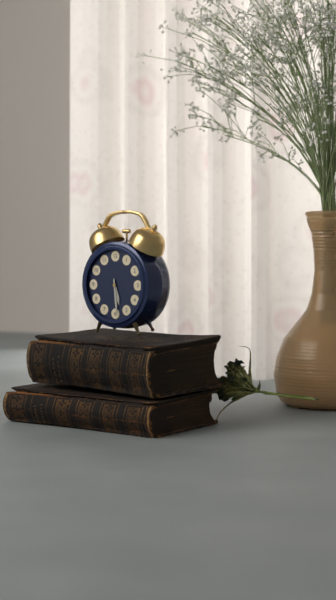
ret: {"hour": 5, "minute": 29}
